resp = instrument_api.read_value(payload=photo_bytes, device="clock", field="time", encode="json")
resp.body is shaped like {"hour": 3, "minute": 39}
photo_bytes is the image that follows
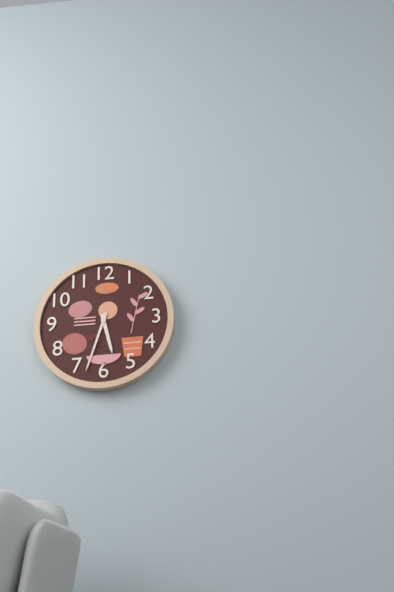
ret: {"hour": 5, "minute": 33}
